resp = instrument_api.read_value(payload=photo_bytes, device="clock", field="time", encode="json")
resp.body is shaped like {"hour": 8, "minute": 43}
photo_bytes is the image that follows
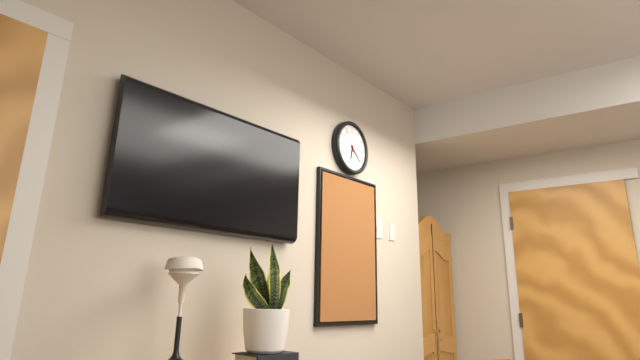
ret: {"hour": 6, "minute": 22}
